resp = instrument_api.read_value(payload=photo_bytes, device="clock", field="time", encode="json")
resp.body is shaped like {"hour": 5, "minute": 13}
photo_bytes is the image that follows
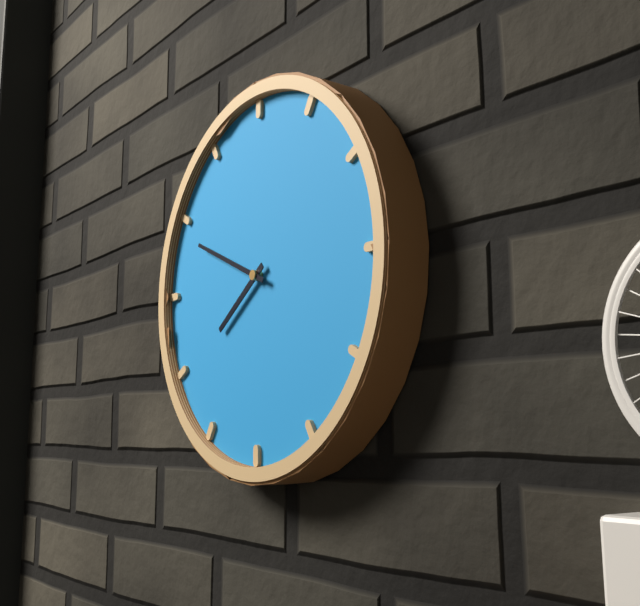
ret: {"hour": 7, "minute": 49}
